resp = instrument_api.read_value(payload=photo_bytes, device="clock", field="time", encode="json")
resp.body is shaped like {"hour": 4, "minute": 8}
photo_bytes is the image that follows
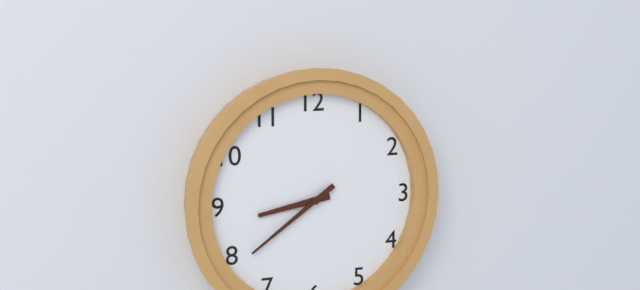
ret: {"hour": 8, "minute": 39}
